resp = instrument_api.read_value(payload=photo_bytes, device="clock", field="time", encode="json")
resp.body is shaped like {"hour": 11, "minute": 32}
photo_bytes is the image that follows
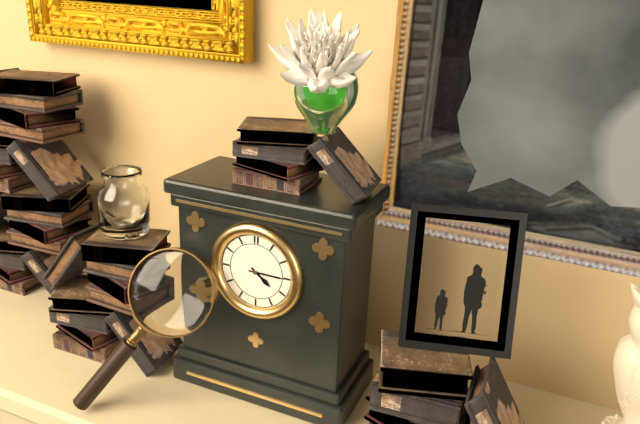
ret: {"hour": 4, "minute": 15}
